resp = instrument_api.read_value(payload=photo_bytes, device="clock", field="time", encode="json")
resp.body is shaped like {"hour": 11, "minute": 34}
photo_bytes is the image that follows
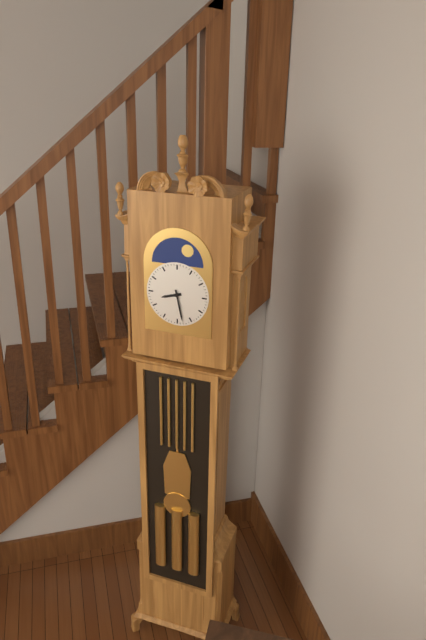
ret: {"hour": 8, "minute": 28}
